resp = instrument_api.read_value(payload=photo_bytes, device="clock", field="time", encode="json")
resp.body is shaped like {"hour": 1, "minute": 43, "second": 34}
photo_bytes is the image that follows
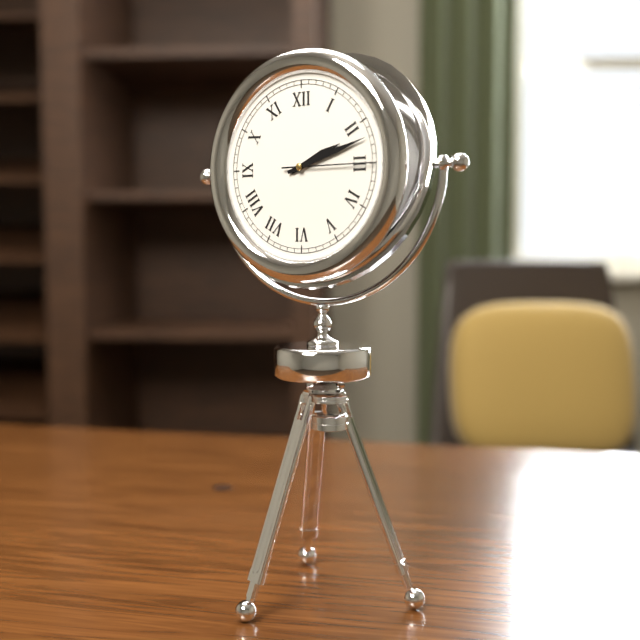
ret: {"hour": 2, "minute": 12, "second": 15}
